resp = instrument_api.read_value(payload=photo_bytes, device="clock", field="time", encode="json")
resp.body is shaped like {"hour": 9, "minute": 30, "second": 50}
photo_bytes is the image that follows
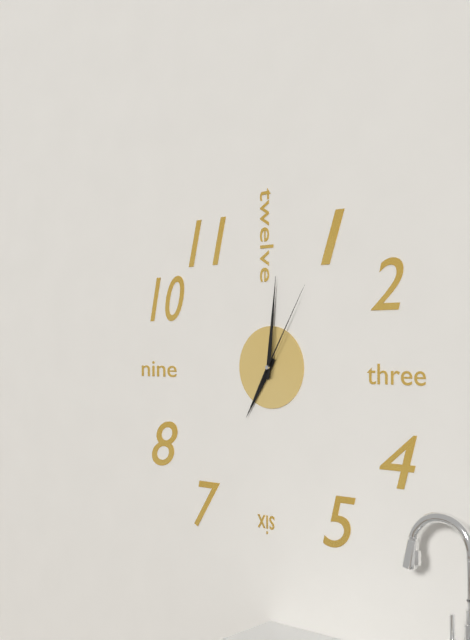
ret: {"hour": 7, "minute": 1, "second": 5}
